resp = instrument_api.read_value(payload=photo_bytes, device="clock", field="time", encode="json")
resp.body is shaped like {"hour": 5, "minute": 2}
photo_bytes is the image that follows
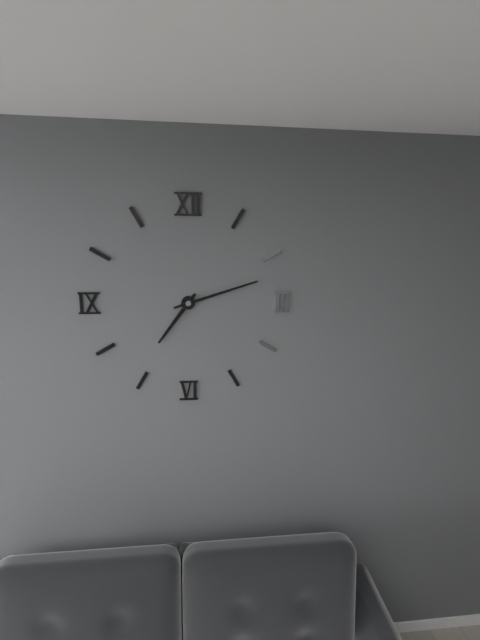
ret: {"hour": 7, "minute": 12}
